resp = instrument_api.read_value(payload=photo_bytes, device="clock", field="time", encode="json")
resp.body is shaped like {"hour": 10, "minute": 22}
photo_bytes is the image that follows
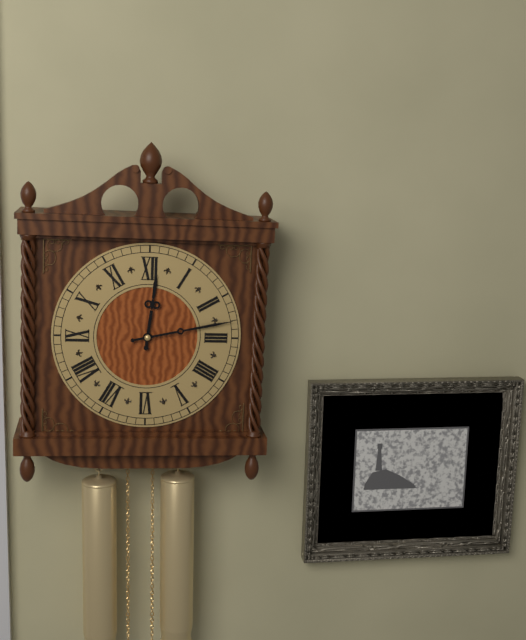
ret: {"hour": 12, "minute": 13}
